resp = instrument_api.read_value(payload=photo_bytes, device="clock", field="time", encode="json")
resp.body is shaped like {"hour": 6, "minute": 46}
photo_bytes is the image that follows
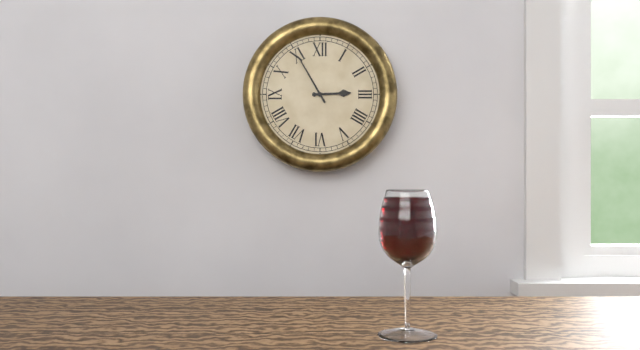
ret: {"hour": 2, "minute": 55}
